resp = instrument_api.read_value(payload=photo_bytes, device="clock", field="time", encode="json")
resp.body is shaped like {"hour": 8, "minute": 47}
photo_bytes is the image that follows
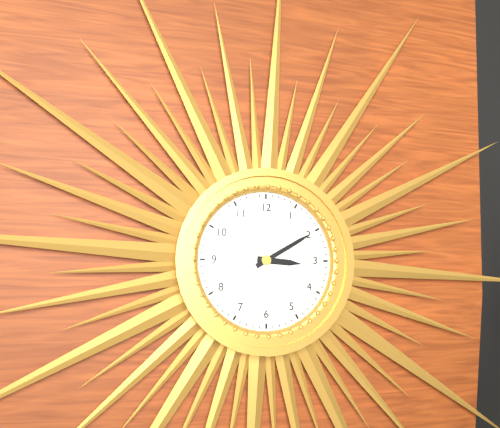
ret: {"hour": 3, "minute": 10}
